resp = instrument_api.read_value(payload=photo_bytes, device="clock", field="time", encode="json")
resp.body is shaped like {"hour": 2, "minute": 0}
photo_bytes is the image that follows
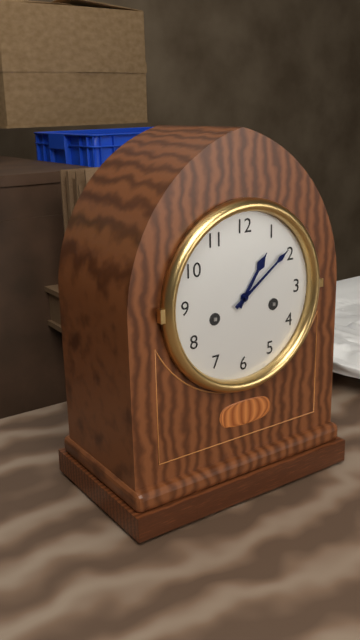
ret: {"hour": 1, "minute": 9}
